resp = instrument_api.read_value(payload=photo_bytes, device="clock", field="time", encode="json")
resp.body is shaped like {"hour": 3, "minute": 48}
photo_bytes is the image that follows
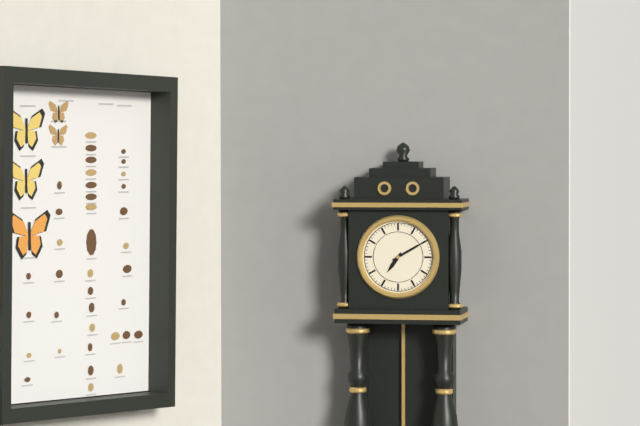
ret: {"hour": 7, "minute": 10}
